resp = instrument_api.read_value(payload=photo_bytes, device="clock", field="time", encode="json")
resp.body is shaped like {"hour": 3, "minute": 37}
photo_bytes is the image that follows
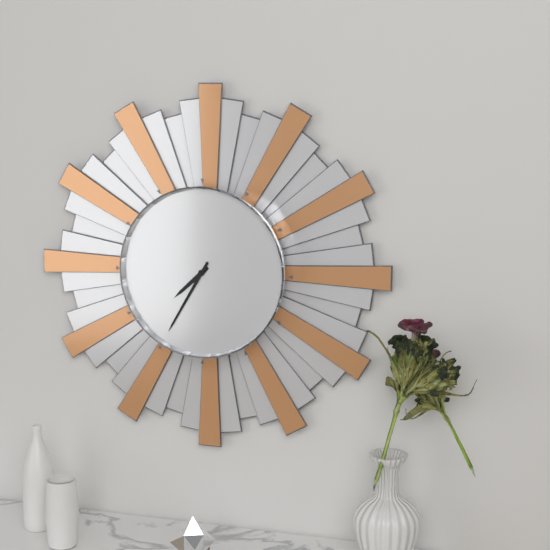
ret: {"hour": 7, "minute": 35}
